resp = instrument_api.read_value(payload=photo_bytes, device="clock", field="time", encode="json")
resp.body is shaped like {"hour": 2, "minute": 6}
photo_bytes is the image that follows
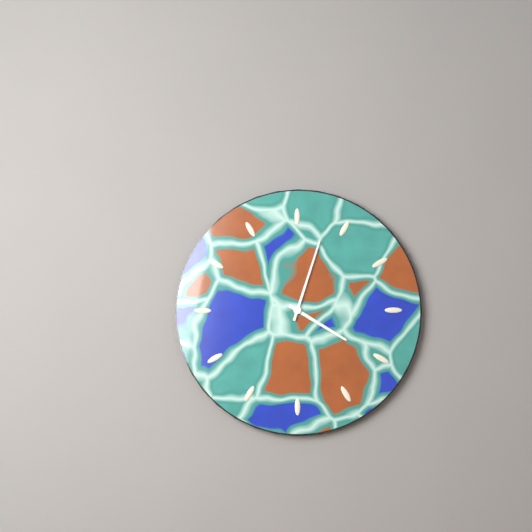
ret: {"hour": 4, "minute": 3}
